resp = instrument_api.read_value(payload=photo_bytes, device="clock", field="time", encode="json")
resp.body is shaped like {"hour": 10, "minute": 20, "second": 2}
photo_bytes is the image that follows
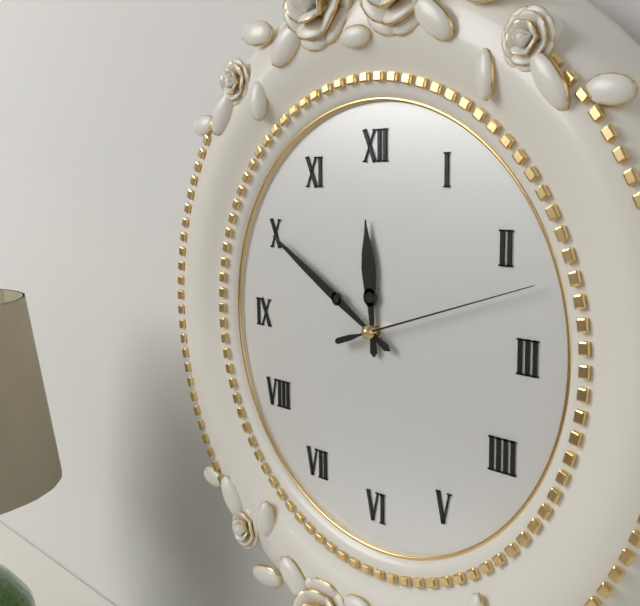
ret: {"hour": 11, "minute": 50, "second": 12}
